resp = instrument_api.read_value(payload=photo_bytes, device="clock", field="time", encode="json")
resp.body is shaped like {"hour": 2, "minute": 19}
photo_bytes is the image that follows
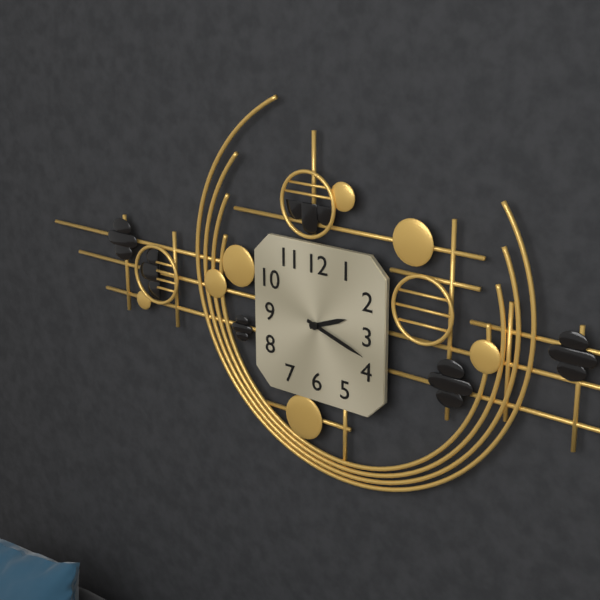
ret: {"hour": 2, "minute": 18}
